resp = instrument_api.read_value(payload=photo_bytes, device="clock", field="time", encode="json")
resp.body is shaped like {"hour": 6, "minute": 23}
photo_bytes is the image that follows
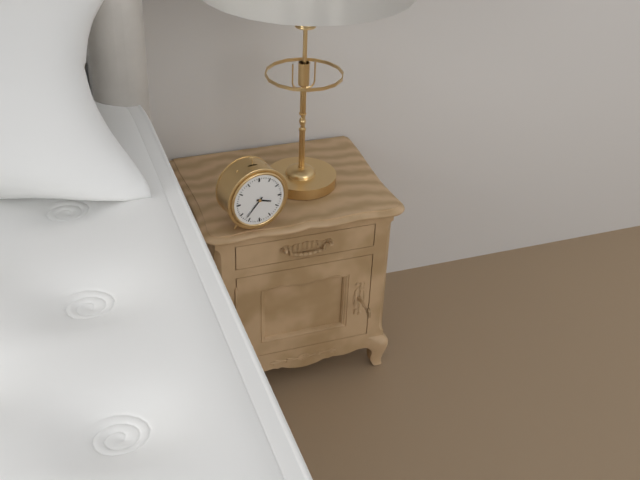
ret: {"hour": 3, "minute": 37}
